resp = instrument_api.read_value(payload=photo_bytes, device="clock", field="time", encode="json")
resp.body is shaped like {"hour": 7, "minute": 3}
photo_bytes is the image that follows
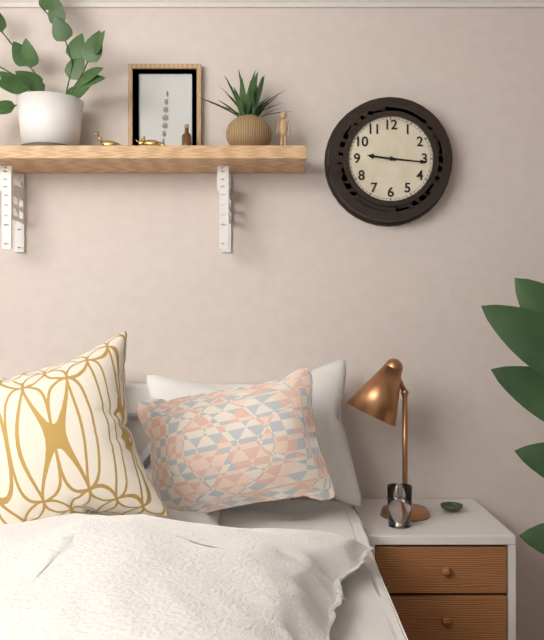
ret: {"hour": 9, "minute": 16}
